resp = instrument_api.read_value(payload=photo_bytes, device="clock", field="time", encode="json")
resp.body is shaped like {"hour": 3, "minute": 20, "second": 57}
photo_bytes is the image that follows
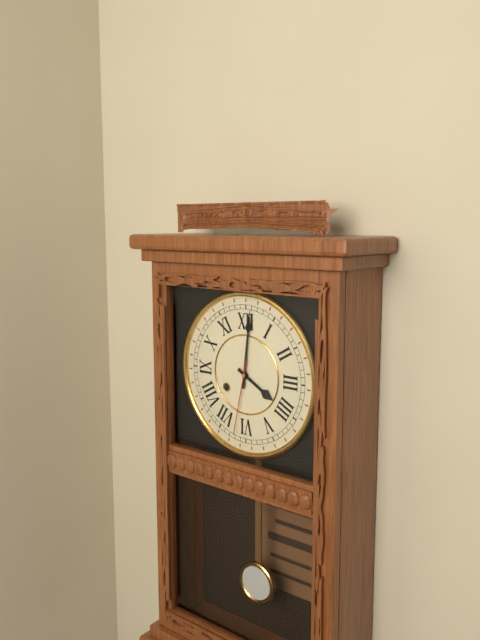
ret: {"hour": 4, "minute": 1, "second": 32}
